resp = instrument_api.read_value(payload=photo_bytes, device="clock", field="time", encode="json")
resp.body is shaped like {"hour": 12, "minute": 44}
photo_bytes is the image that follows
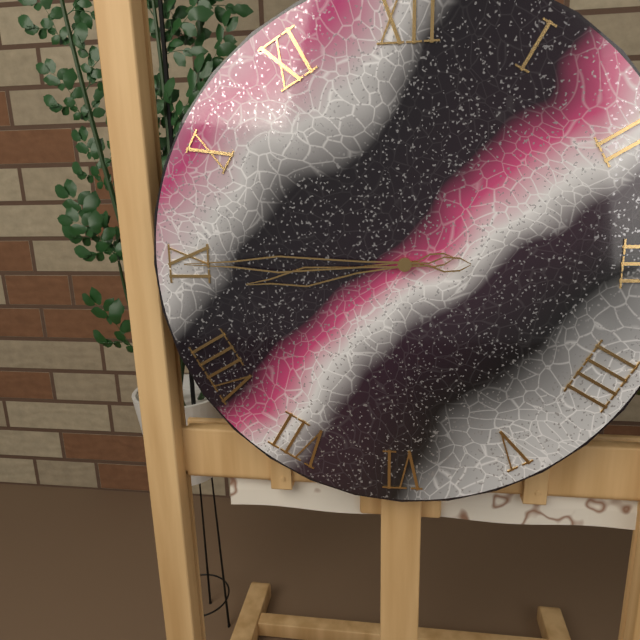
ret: {"hour": 8, "minute": 45}
